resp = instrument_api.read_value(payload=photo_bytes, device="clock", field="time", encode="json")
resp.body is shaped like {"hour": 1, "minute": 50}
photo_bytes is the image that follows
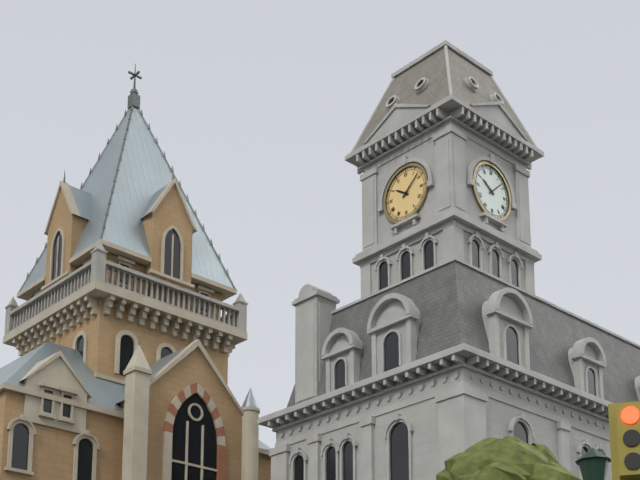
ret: {"hour": 10, "minute": 8}
